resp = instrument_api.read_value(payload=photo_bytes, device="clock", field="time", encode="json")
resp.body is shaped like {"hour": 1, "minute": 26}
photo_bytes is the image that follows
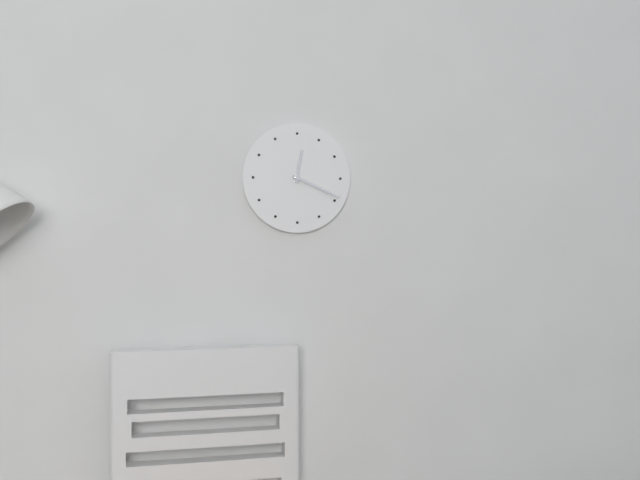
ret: {"hour": 12, "minute": 19}
